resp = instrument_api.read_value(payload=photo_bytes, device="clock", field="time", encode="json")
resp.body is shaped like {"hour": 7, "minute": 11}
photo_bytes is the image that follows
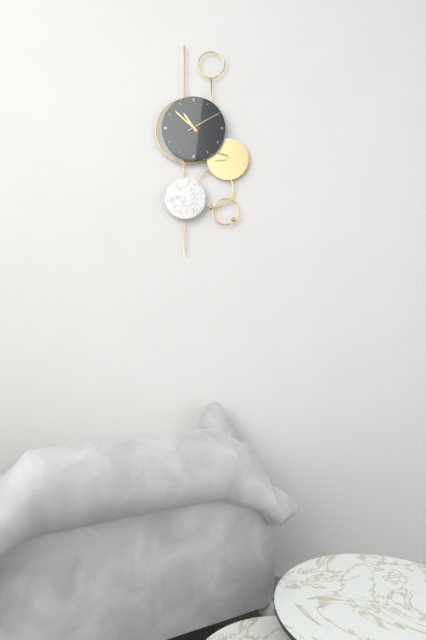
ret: {"hour": 10, "minute": 52}
